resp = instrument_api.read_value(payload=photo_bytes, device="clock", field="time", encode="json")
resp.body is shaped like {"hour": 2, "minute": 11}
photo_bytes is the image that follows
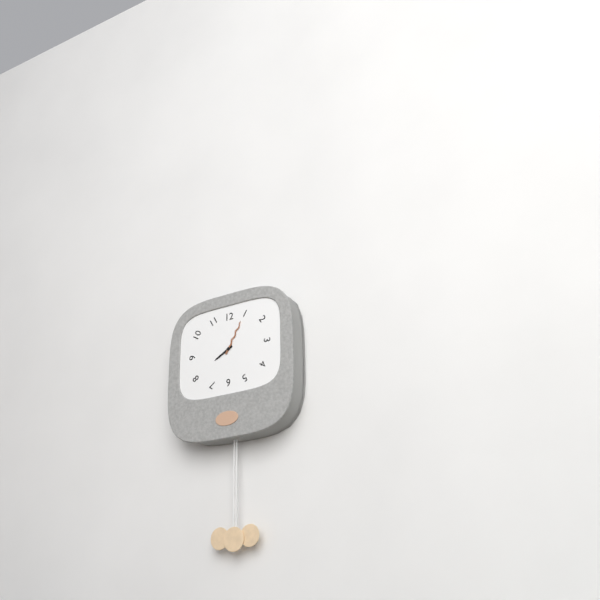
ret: {"hour": 8, "minute": 5}
